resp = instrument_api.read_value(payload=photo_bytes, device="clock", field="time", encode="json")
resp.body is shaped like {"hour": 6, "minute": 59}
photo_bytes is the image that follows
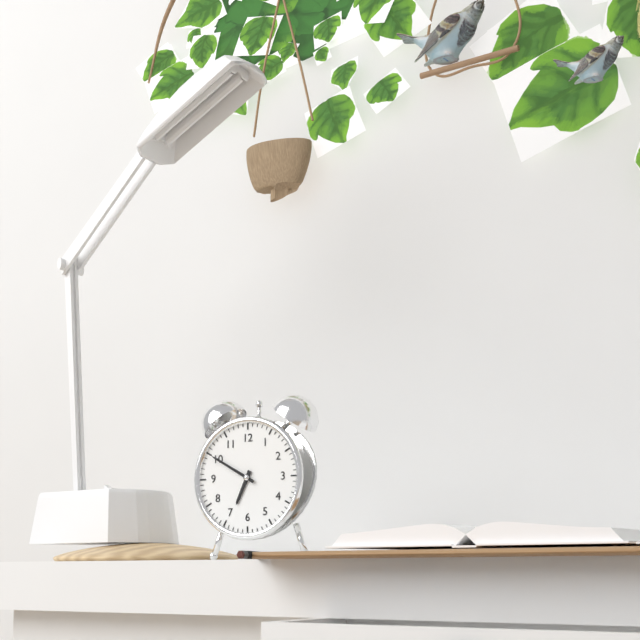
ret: {"hour": 6, "minute": 50}
